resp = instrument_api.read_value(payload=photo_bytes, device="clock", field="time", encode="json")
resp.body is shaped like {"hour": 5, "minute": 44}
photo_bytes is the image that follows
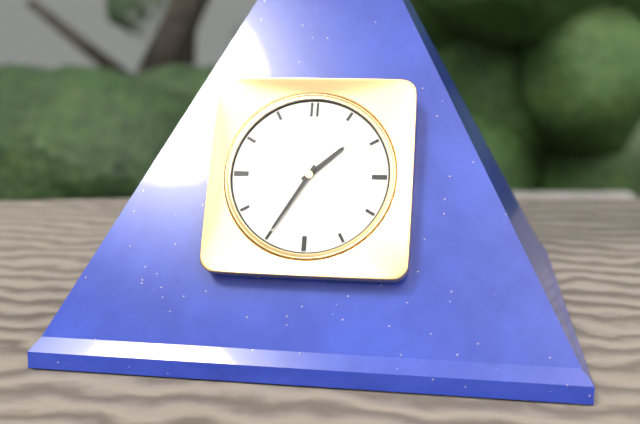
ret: {"hour": 1, "minute": 35}
